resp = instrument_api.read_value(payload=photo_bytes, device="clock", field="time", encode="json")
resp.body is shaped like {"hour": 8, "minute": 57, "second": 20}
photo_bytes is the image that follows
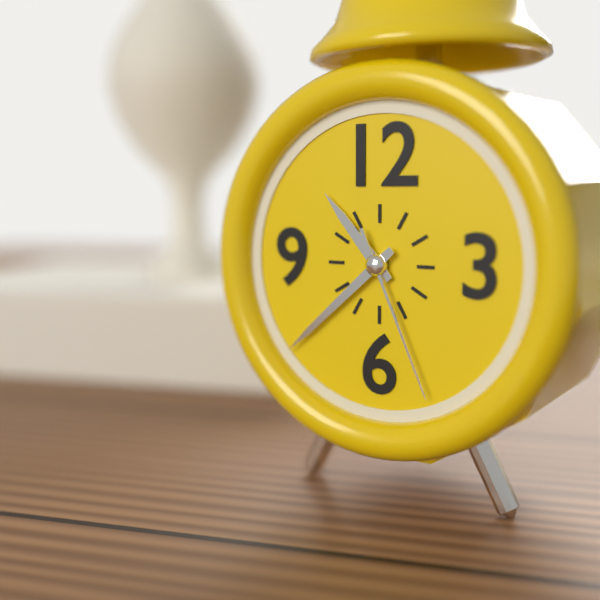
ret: {"hour": 10, "minute": 38, "second": 26}
